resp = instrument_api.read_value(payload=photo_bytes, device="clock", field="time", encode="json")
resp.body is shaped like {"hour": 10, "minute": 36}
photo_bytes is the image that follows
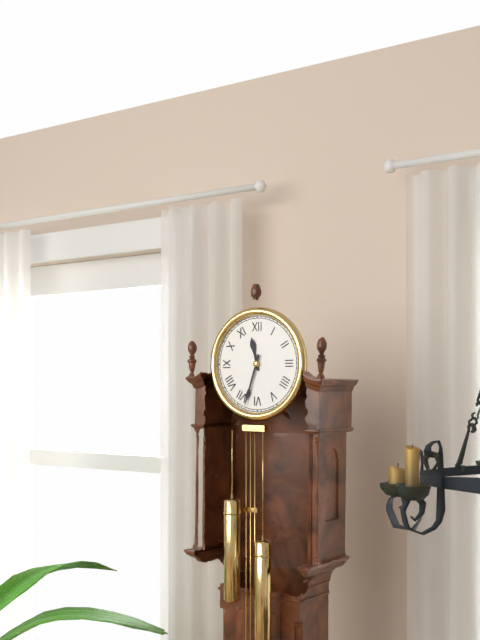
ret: {"hour": 11, "minute": 33}
